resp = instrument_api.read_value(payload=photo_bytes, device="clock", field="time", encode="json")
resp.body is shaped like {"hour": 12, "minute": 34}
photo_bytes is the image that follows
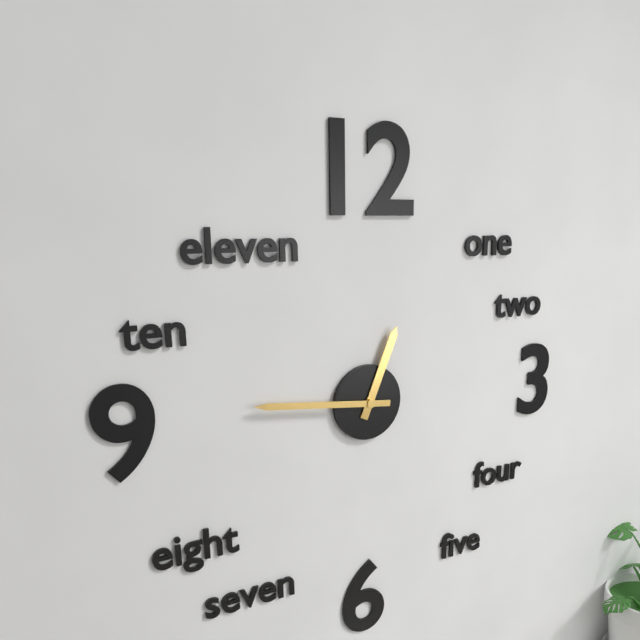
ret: {"hour": 12, "minute": 46}
